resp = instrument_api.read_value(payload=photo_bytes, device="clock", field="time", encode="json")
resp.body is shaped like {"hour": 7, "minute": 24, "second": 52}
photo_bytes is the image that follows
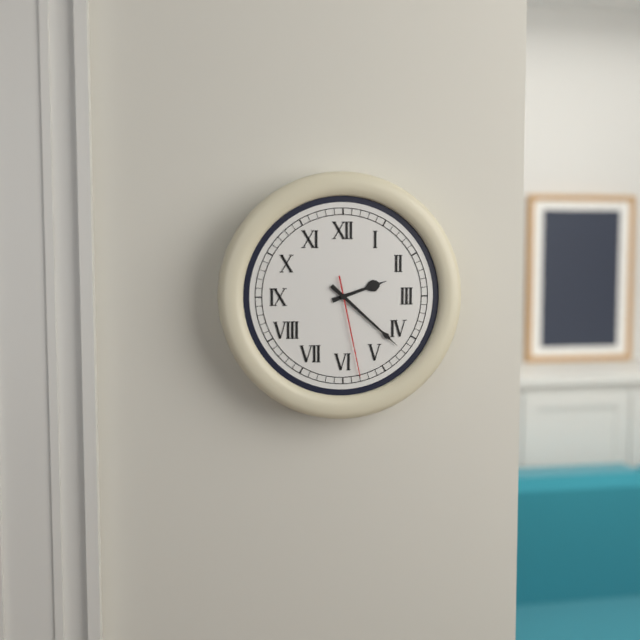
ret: {"hour": 2, "minute": 22, "second": 28}
